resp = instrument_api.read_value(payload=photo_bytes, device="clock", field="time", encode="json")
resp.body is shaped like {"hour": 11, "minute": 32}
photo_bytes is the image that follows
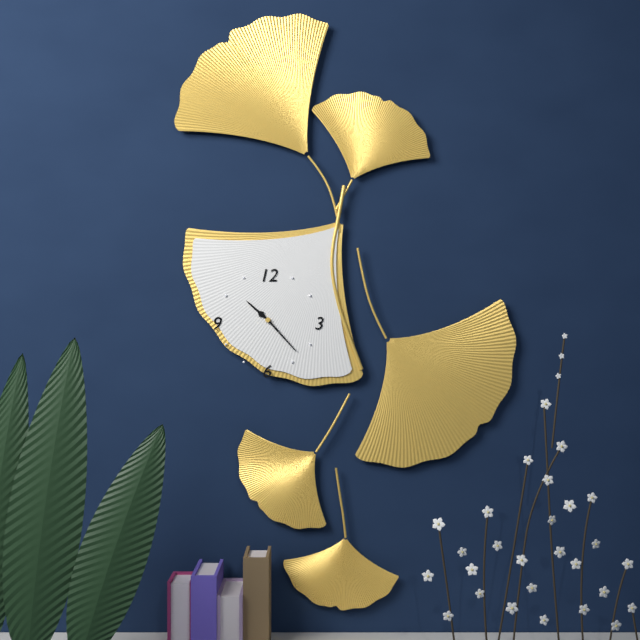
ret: {"hour": 10, "minute": 23}
